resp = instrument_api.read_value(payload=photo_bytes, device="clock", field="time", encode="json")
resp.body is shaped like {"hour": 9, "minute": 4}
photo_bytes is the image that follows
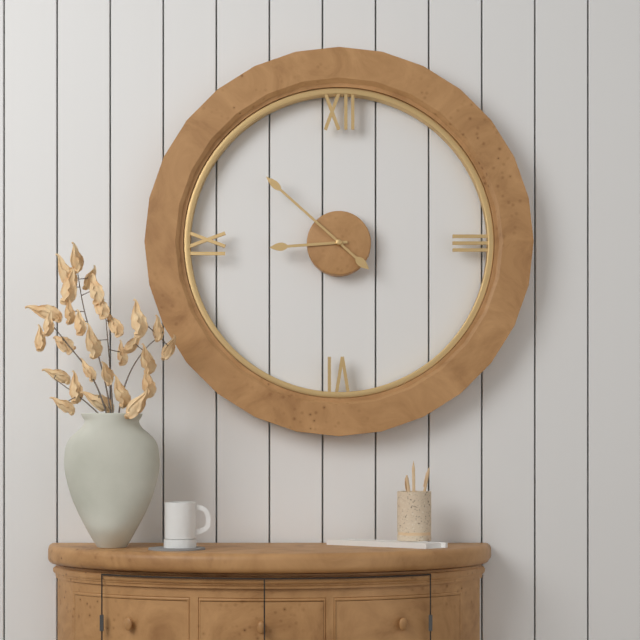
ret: {"hour": 8, "minute": 52}
